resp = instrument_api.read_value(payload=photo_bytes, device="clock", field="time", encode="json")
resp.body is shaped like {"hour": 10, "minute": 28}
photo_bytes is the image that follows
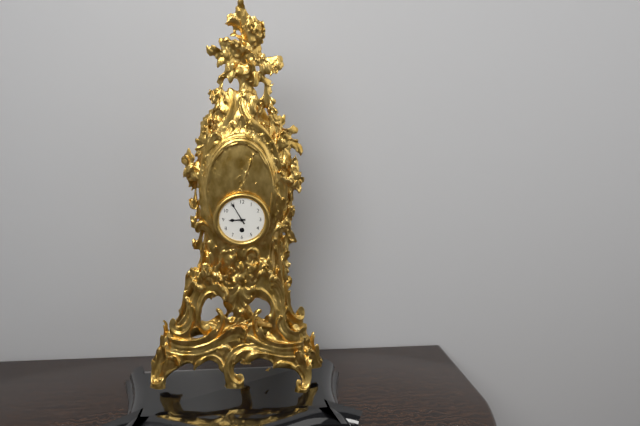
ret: {"hour": 8, "minute": 55}
